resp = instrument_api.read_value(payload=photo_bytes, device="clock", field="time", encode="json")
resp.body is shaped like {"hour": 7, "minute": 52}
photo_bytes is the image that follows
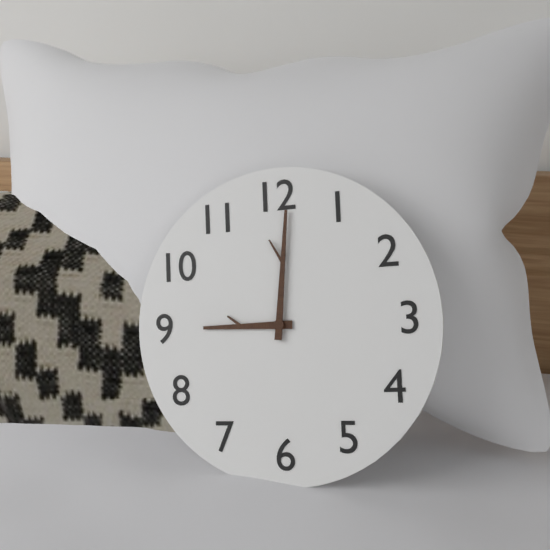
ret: {"hour": 9, "minute": 1}
